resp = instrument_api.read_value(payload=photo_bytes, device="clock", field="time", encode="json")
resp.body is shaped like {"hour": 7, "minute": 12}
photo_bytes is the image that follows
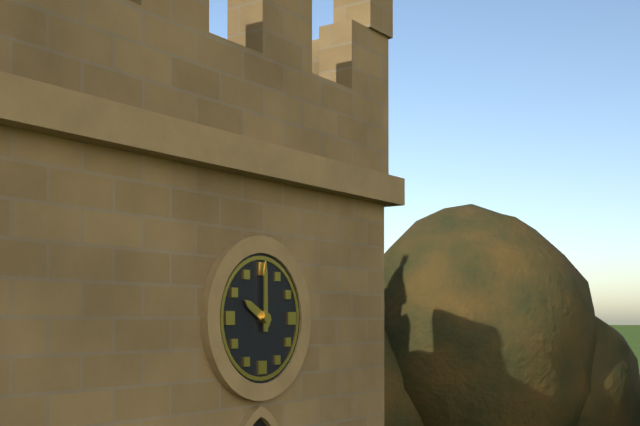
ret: {"hour": 10, "minute": 0}
